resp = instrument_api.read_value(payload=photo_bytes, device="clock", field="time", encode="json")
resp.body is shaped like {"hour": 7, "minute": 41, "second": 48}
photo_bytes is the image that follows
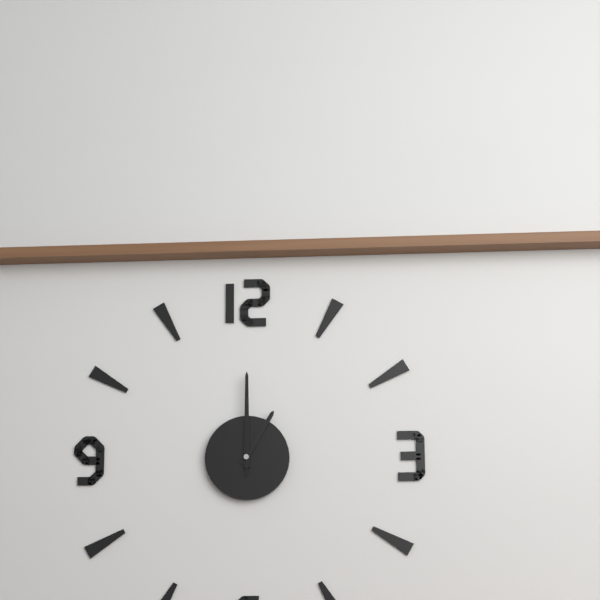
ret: {"hour": 1, "minute": 0, "second": 0}
